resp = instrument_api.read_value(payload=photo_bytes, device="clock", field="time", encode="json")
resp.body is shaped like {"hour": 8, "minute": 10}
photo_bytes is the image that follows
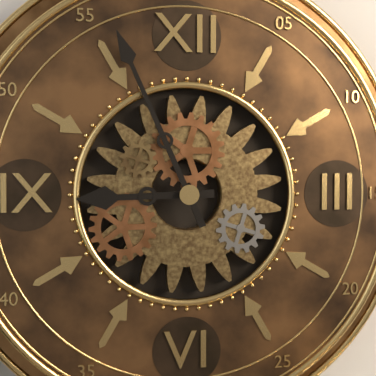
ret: {"hour": 8, "minute": 56}
